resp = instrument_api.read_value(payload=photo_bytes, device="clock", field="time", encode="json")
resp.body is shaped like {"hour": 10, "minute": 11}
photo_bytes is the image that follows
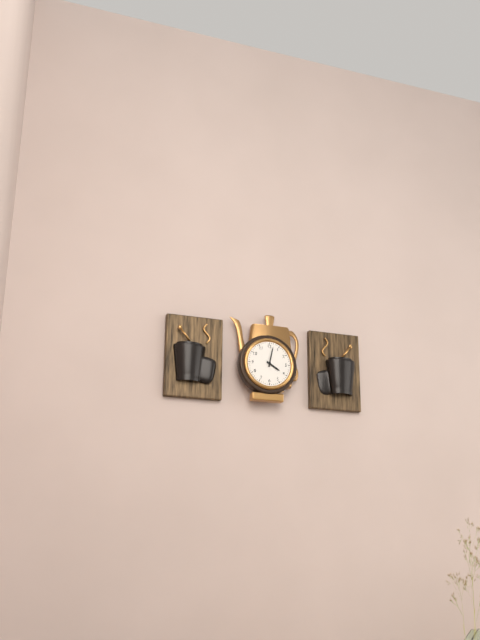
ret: {"hour": 4, "minute": 2}
